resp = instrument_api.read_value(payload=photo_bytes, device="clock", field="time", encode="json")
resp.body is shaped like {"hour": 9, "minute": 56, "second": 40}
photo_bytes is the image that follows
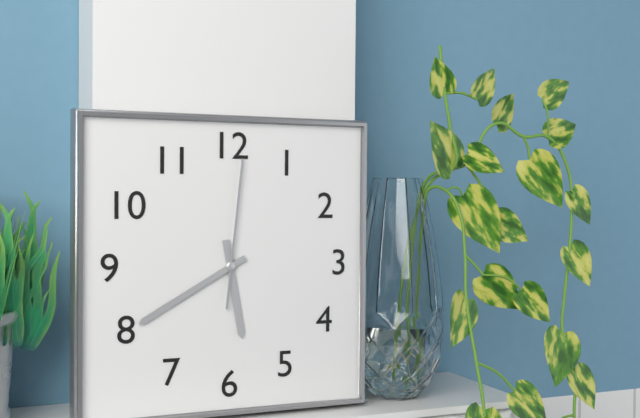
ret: {"hour": 5, "minute": 40, "second": 1}
